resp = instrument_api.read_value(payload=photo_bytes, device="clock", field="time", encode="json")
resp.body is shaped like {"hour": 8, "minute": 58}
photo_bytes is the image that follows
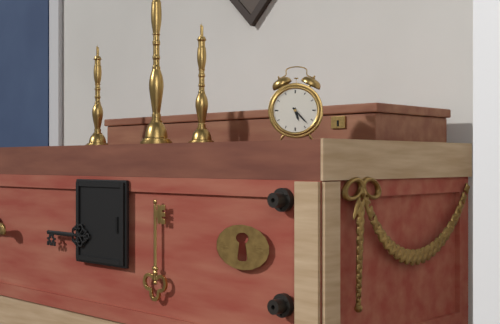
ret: {"hour": 5, "minute": 23}
